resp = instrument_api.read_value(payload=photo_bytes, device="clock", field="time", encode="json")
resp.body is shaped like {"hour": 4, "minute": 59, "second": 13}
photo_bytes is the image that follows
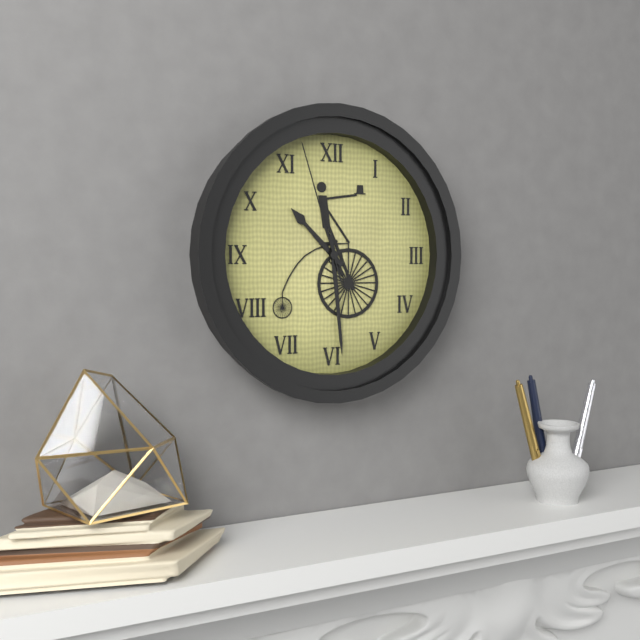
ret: {"hour": 10, "minute": 29, "second": 57}
